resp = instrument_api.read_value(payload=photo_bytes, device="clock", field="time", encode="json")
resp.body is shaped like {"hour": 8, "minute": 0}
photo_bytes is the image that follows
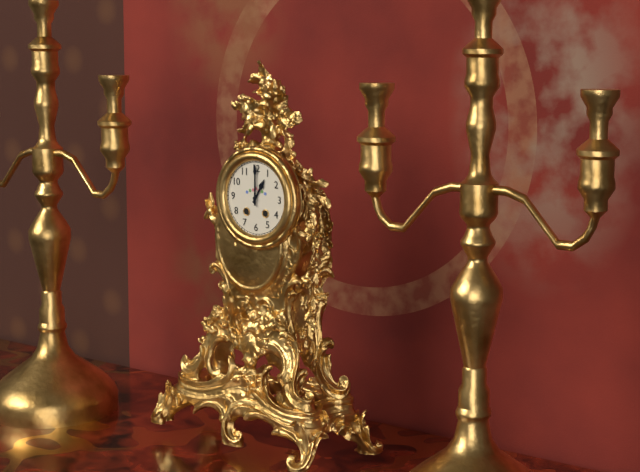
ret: {"hour": 1, "minute": 0}
